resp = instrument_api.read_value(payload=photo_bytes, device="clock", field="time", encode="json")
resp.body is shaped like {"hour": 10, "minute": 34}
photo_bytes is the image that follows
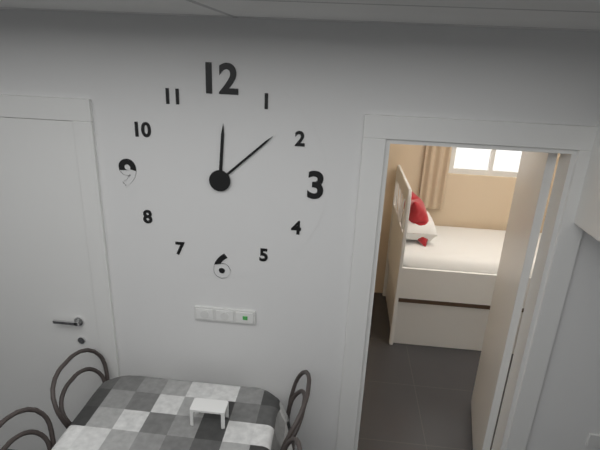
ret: {"hour": 12, "minute": 8}
